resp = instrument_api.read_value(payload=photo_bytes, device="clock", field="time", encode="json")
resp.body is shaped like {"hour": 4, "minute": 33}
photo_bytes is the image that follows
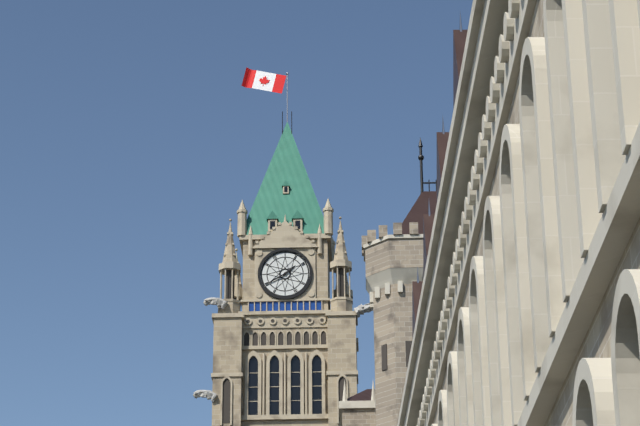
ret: {"hour": 1, "minute": 40}
